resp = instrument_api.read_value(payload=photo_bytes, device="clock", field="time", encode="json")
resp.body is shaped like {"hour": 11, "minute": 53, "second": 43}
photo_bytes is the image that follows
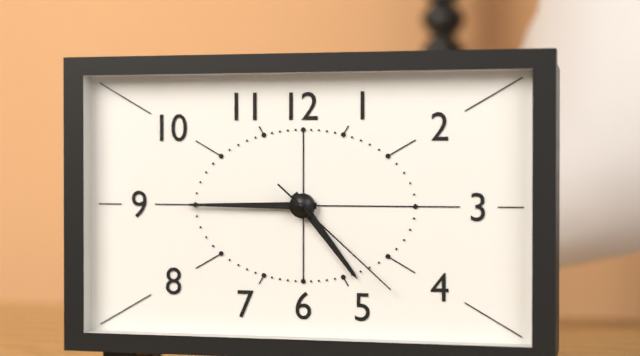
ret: {"hour": 4, "minute": 45, "second": 22}
